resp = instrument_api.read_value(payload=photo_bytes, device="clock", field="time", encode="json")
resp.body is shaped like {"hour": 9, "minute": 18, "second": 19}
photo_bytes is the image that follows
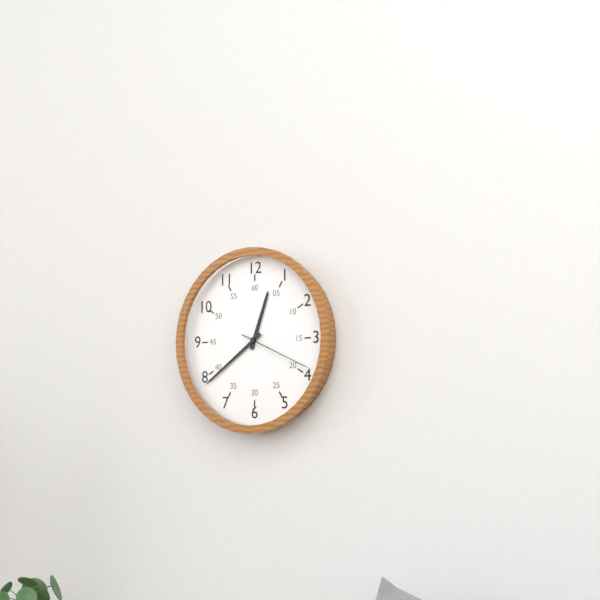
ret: {"hour": 12, "minute": 39, "second": 19}
